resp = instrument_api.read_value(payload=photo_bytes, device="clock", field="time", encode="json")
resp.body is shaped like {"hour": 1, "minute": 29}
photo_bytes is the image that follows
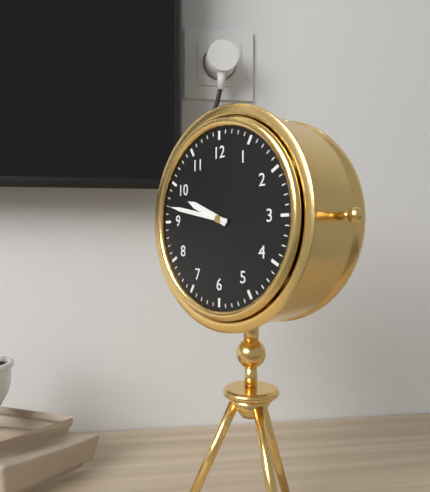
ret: {"hour": 9, "minute": 47}
